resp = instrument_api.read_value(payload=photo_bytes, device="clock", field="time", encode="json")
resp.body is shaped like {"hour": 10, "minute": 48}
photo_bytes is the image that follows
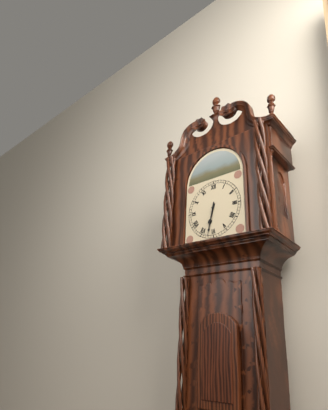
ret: {"hour": 6, "minute": 32}
